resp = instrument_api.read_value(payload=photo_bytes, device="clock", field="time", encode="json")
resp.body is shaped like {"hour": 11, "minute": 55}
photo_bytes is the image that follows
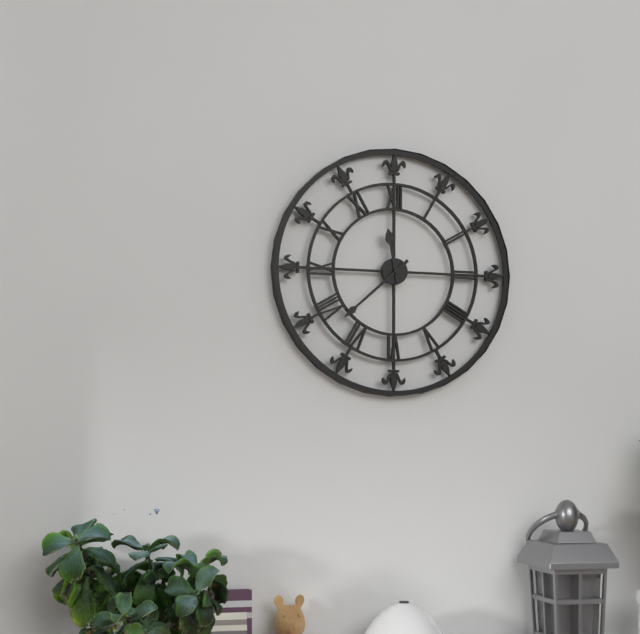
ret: {"hour": 11, "minute": 38}
